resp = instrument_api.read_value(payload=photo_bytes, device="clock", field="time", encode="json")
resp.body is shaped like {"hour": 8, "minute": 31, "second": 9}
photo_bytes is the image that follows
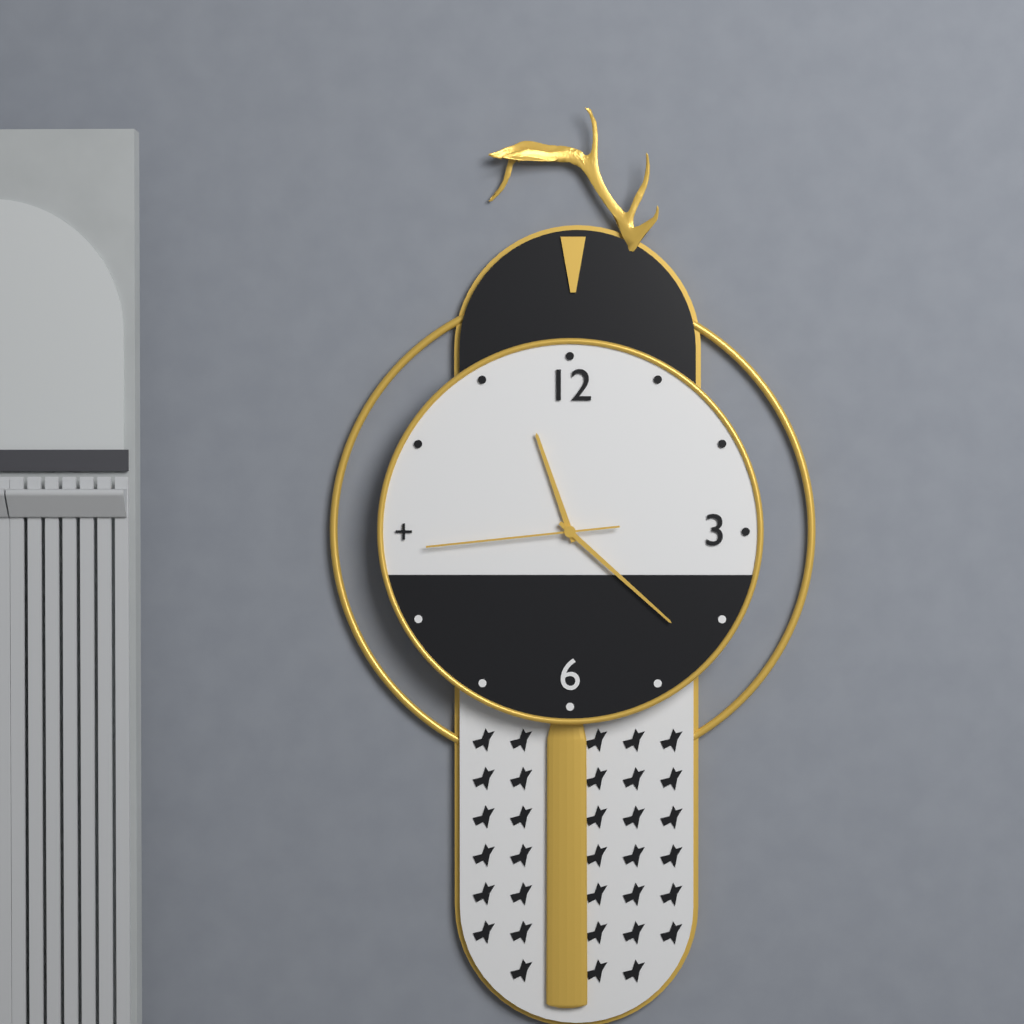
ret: {"hour": 11, "minute": 22, "second": 44}
